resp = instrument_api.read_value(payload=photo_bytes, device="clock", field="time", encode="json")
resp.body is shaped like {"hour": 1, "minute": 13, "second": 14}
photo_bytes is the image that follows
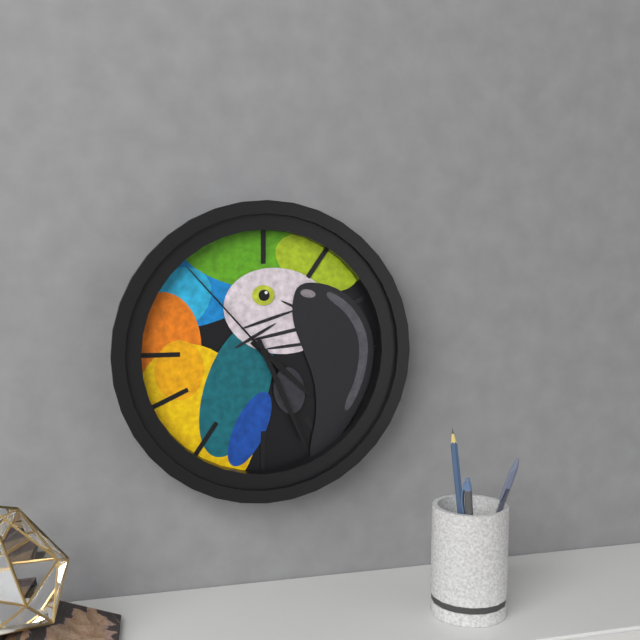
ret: {"hour": 4, "minute": 26, "second": 53}
